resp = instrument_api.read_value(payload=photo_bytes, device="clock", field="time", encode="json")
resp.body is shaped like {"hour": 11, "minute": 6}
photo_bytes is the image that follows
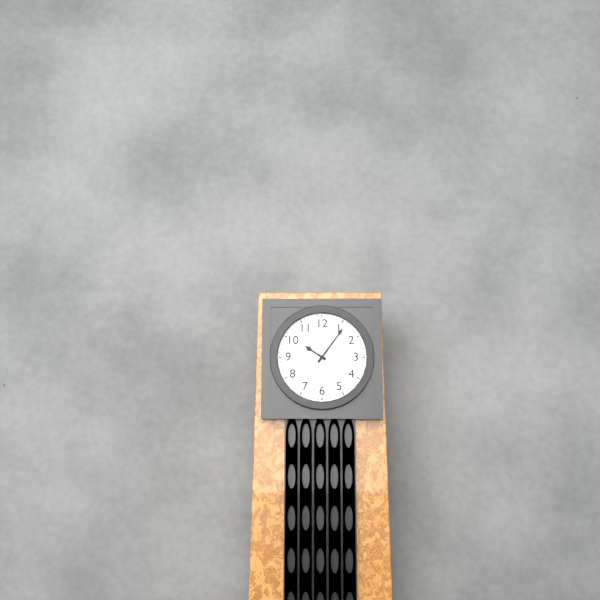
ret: {"hour": 10, "minute": 6}
